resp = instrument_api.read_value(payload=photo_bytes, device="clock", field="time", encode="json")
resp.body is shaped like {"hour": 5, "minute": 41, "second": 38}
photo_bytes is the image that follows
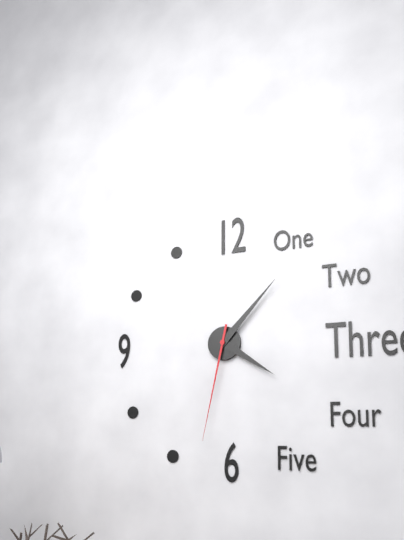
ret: {"hour": 4, "minute": 7, "second": 32}
